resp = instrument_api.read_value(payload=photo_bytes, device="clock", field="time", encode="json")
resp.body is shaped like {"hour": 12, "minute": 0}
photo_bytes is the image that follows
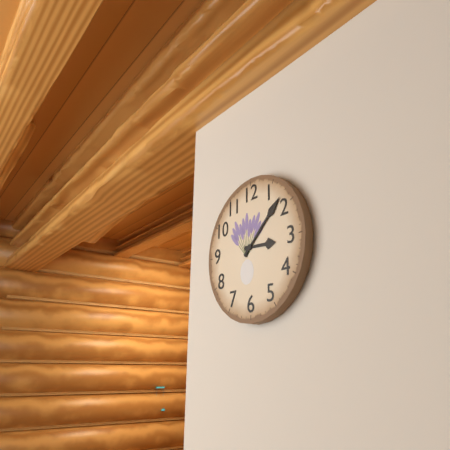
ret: {"hour": 3, "minute": 8}
